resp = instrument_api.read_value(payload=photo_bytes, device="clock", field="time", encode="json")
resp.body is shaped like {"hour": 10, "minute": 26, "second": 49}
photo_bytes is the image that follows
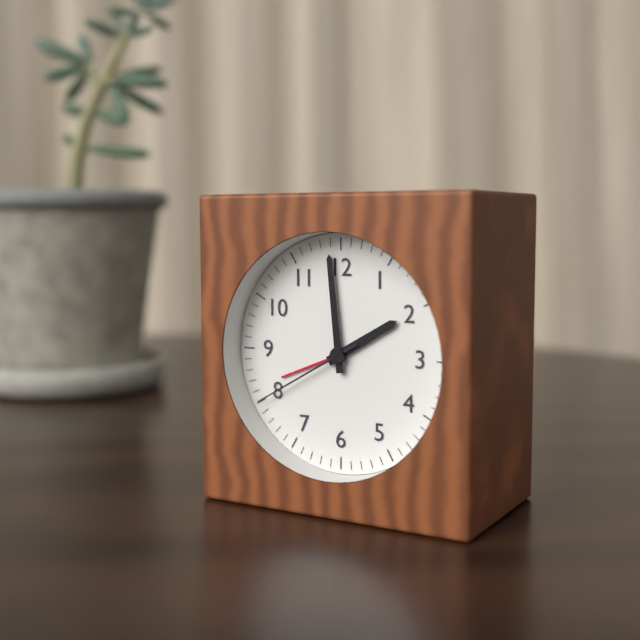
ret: {"hour": 1, "minute": 59, "second": 40}
